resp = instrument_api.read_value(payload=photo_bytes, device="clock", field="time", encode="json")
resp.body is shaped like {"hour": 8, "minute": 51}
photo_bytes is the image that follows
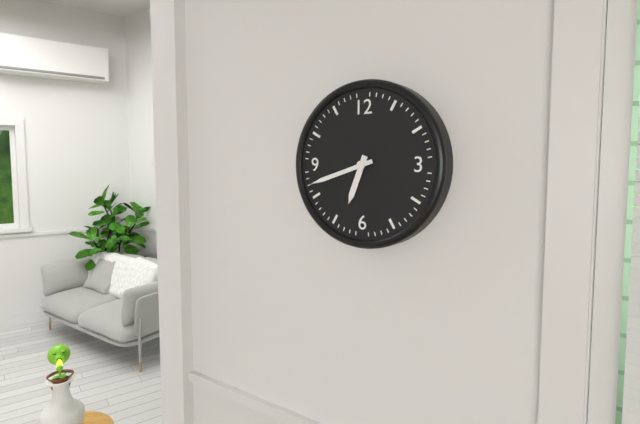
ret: {"hour": 6, "minute": 42}
